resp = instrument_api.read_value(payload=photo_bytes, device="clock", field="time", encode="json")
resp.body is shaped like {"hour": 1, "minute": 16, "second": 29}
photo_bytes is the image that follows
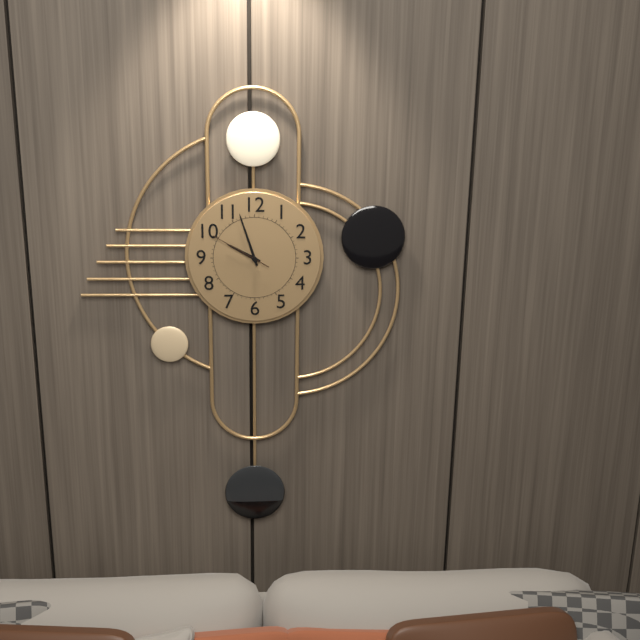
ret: {"hour": 9, "minute": 57, "second": 50}
